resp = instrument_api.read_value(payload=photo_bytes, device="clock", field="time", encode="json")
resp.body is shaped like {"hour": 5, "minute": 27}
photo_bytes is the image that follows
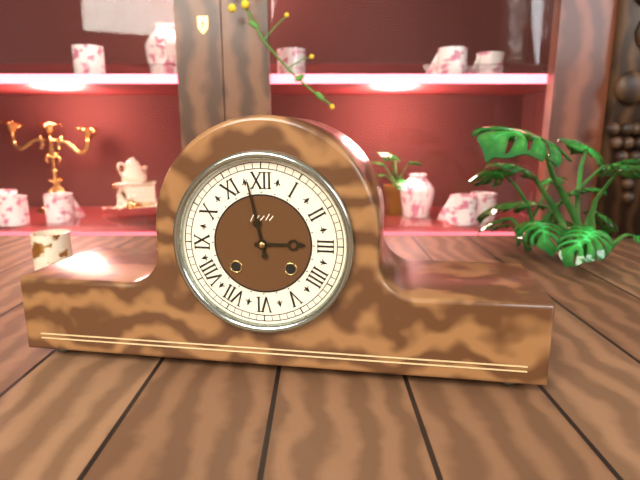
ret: {"hour": 2, "minute": 58}
